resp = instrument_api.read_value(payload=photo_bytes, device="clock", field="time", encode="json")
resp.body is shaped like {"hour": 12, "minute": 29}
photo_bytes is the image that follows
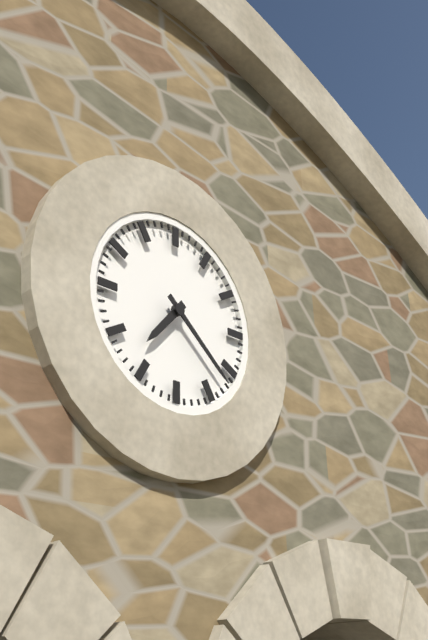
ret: {"hour": 7, "minute": 22}
